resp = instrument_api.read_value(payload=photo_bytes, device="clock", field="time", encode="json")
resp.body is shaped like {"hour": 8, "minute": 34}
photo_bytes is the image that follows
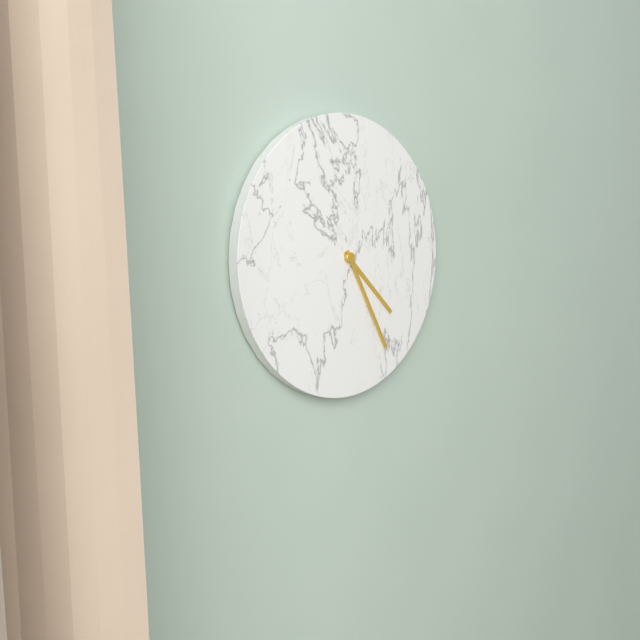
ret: {"hour": 4, "minute": 25}
